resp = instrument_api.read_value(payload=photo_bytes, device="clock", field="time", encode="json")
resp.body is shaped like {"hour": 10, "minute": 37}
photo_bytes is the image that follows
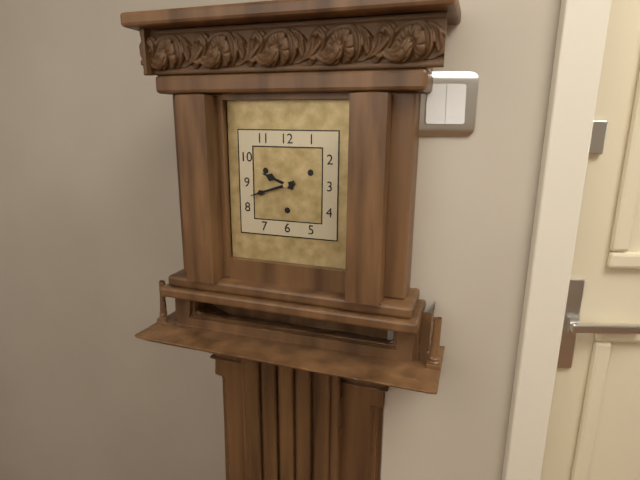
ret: {"hour": 9, "minute": 42}
